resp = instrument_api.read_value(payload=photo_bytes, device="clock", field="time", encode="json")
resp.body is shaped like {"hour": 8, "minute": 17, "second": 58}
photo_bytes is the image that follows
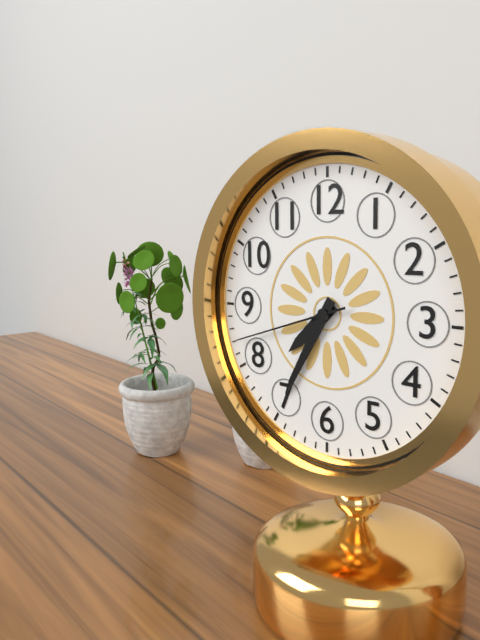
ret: {"hour": 7, "minute": 35, "second": 42}
